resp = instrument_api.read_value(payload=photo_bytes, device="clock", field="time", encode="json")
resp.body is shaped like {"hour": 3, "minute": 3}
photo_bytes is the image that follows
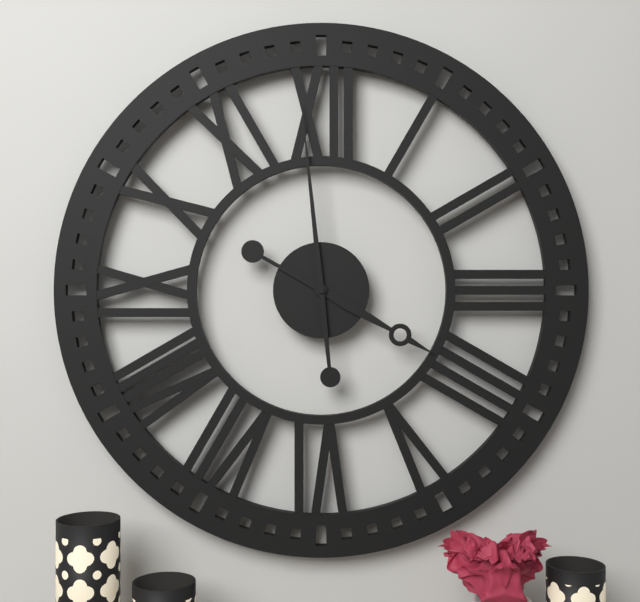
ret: {"hour": 3, "minute": 59}
